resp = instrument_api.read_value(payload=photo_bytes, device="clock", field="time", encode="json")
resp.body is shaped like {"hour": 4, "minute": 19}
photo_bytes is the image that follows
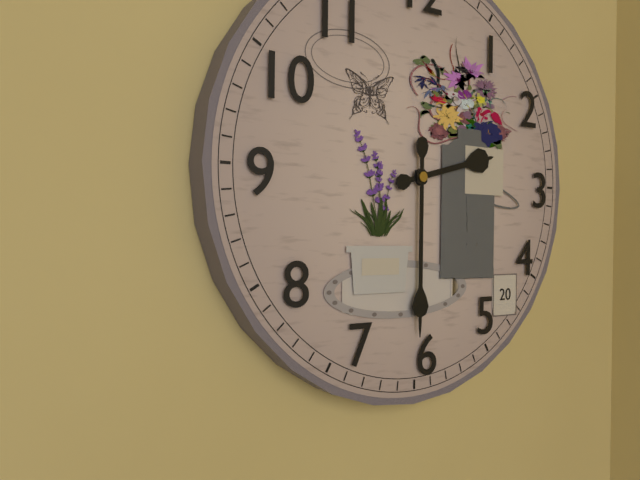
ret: {"hour": 2, "minute": 30}
